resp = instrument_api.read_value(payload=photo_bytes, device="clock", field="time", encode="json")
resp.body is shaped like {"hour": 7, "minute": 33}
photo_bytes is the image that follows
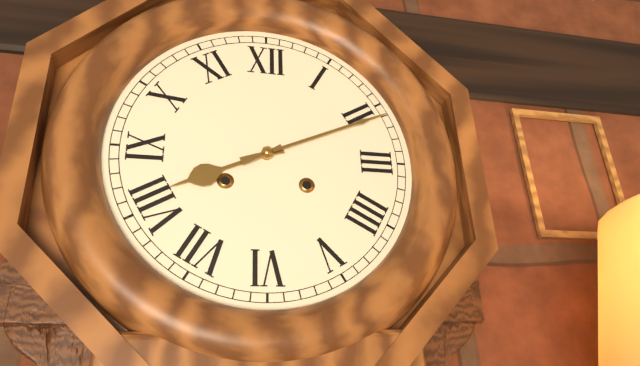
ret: {"hour": 8, "minute": 11}
